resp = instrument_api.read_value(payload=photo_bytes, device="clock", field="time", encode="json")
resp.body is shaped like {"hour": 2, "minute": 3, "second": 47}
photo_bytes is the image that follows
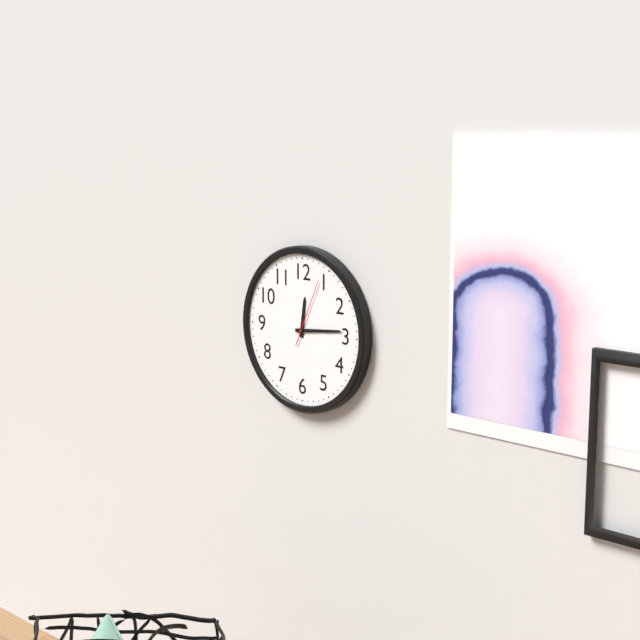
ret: {"hour": 12, "minute": 14, "second": 4}
